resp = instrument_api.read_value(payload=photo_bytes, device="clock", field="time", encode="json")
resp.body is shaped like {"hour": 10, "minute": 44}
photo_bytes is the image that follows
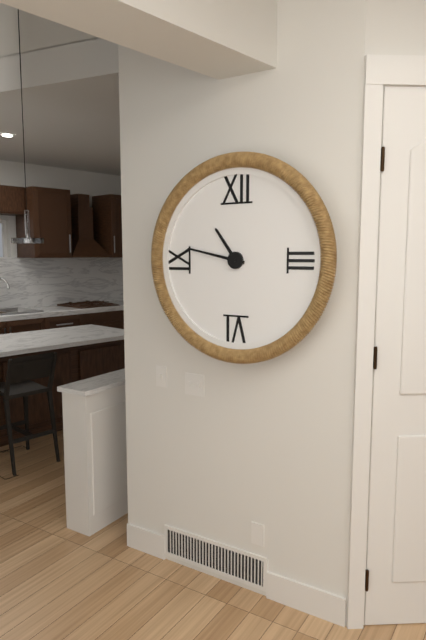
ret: {"hour": 10, "minute": 47}
